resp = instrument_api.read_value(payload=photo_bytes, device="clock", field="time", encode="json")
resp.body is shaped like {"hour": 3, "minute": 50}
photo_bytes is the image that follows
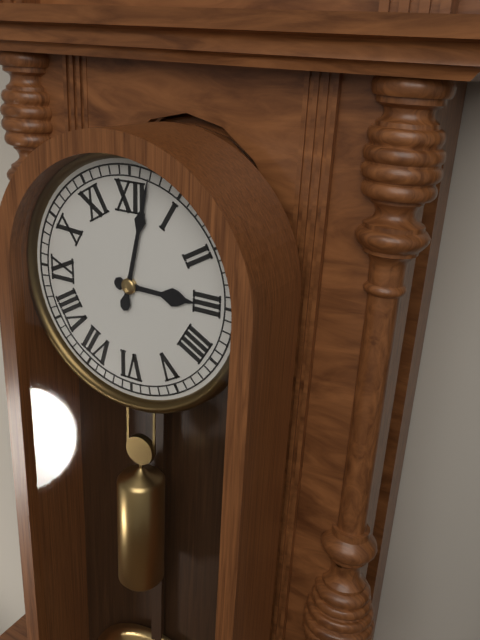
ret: {"hour": 3, "minute": 2}
